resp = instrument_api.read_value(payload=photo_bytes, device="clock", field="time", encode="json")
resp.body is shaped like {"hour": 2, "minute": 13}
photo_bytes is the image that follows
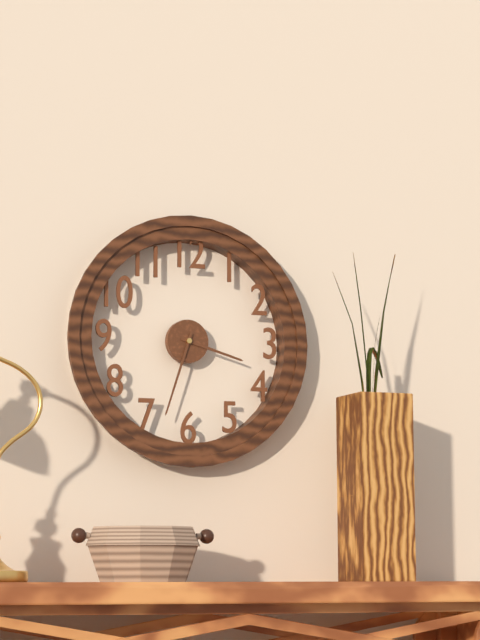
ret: {"hour": 3, "minute": 33}
